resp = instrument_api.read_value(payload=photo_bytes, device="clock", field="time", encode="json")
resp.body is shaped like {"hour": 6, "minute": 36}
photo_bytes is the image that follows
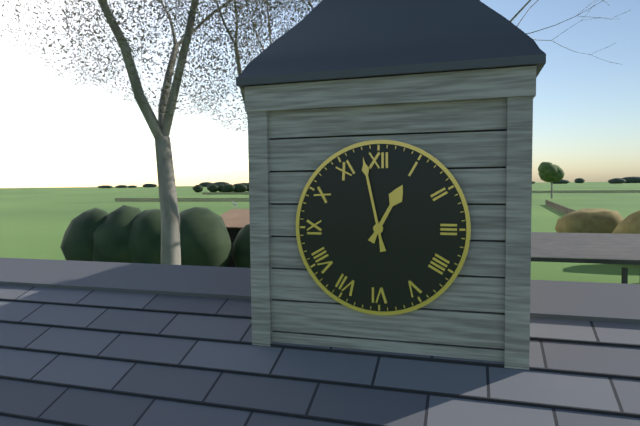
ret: {"hour": 12, "minute": 58}
